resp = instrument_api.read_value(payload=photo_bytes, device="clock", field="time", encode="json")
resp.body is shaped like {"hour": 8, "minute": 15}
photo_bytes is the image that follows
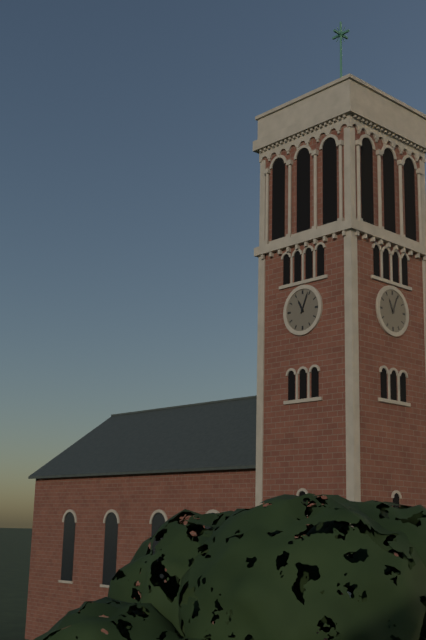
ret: {"hour": 11, "minute": 4}
